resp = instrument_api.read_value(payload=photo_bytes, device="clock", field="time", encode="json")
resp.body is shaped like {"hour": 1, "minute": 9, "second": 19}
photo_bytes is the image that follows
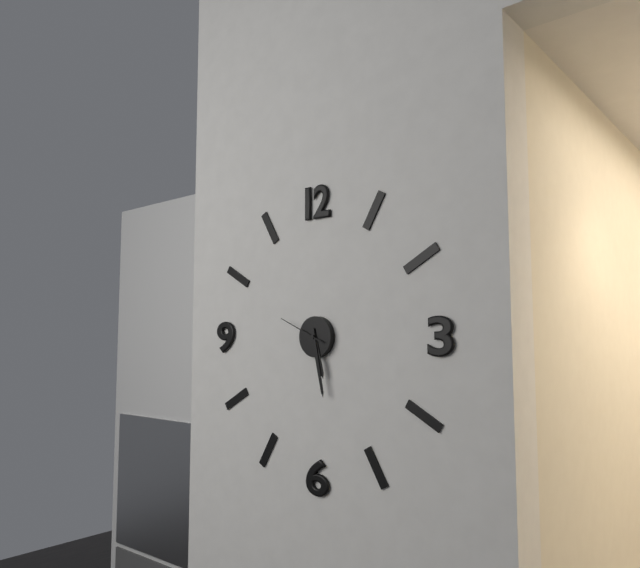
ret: {"hour": 5, "minute": 28, "second": 49}
